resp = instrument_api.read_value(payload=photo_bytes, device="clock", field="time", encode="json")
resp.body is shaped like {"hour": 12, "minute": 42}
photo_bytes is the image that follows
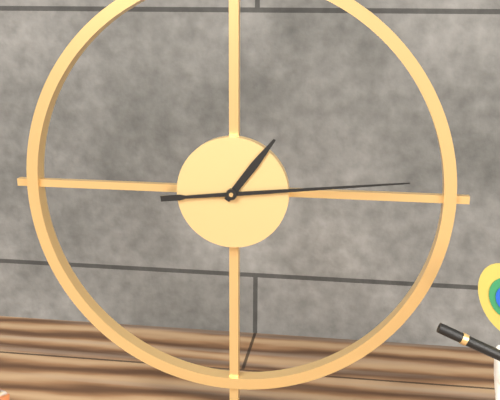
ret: {"hour": 1, "minute": 14}
